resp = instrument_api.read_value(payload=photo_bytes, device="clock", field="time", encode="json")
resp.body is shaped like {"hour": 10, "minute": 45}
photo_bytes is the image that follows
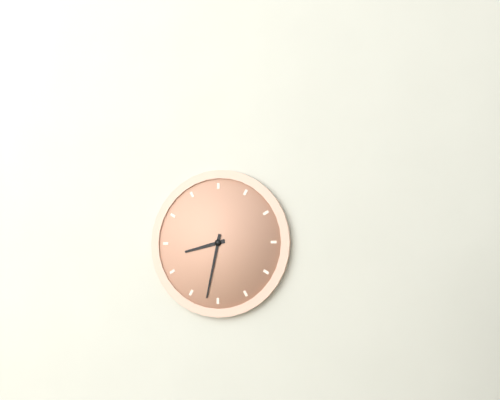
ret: {"hour": 8, "minute": 32}
